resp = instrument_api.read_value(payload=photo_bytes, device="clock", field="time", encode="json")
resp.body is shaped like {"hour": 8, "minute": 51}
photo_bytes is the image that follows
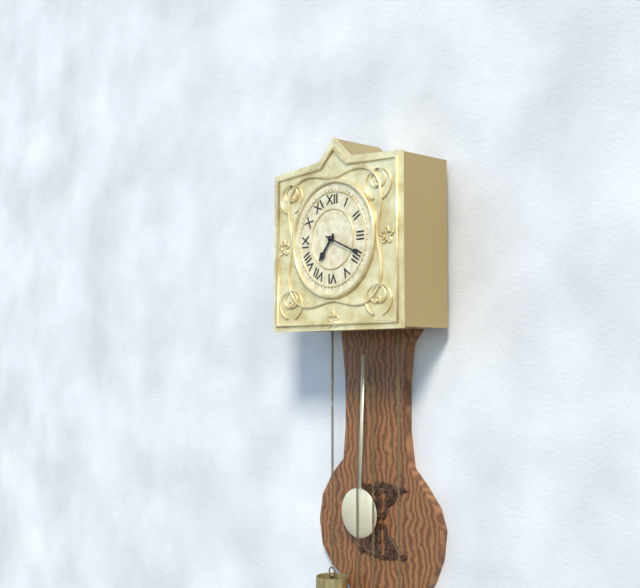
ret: {"hour": 7, "minute": 19}
